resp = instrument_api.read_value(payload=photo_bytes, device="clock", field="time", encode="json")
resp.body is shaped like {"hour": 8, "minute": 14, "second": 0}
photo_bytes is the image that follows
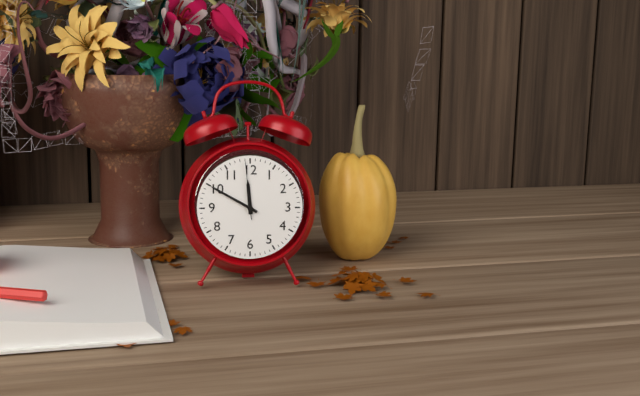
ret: {"hour": 11, "minute": 50, "second": 59}
